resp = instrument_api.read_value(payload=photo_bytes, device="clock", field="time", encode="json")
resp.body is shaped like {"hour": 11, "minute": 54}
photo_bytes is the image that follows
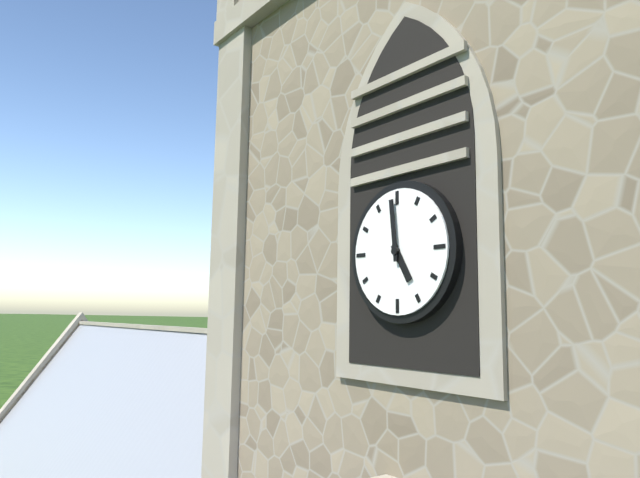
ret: {"hour": 4, "minute": 59}
